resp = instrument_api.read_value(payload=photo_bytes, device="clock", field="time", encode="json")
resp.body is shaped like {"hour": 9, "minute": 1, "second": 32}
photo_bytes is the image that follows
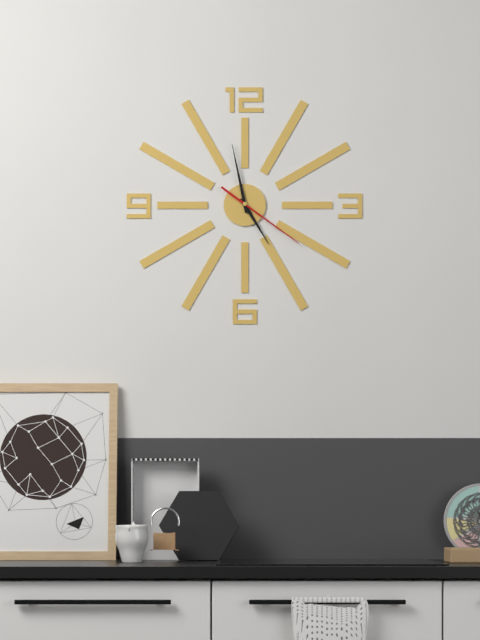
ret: {"hour": 4, "minute": 58, "second": 21}
